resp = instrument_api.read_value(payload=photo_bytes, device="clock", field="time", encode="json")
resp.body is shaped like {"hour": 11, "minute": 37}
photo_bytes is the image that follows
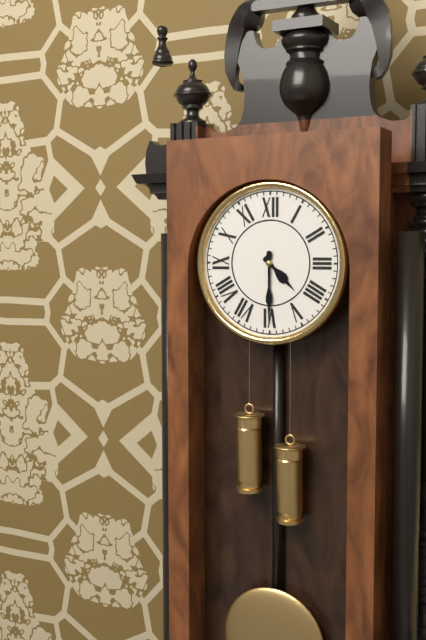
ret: {"hour": 4, "minute": 30}
